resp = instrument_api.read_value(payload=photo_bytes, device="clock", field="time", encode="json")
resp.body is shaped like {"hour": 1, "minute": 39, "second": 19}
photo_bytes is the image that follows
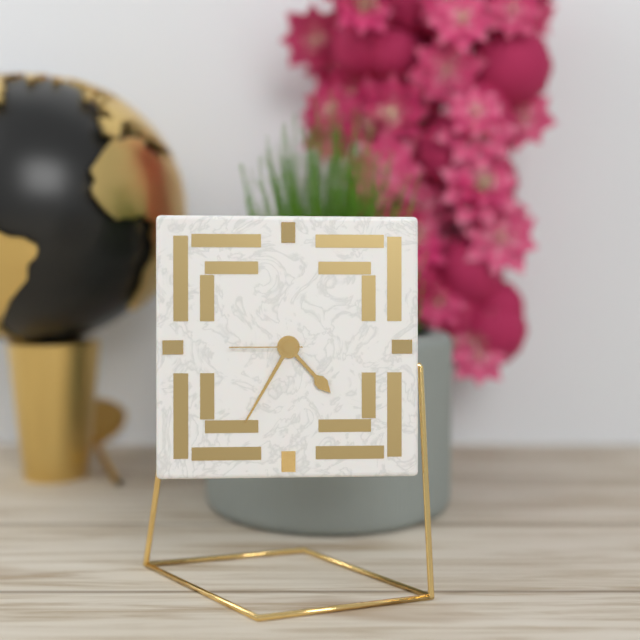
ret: {"hour": 4, "minute": 35, "second": 45}
